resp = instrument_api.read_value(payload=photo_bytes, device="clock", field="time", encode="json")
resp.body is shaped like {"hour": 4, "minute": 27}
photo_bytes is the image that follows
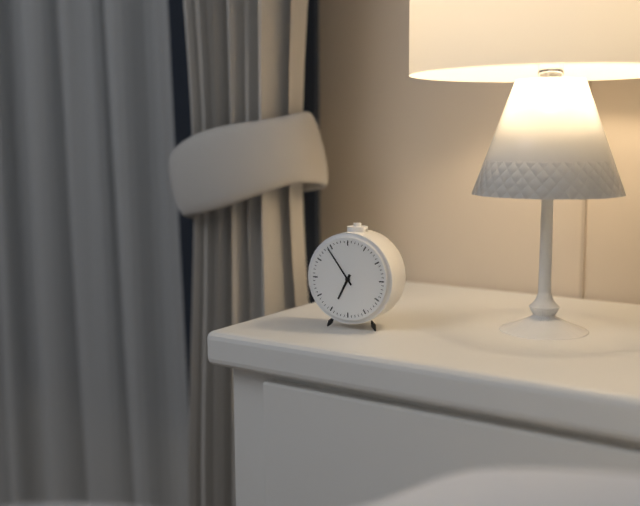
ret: {"hour": 6, "minute": 54}
